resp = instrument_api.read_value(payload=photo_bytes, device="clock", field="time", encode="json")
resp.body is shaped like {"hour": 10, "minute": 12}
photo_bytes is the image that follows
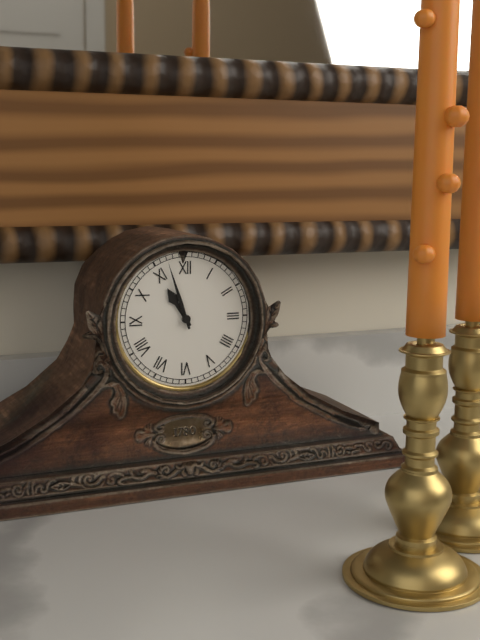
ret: {"hour": 10, "minute": 57}
